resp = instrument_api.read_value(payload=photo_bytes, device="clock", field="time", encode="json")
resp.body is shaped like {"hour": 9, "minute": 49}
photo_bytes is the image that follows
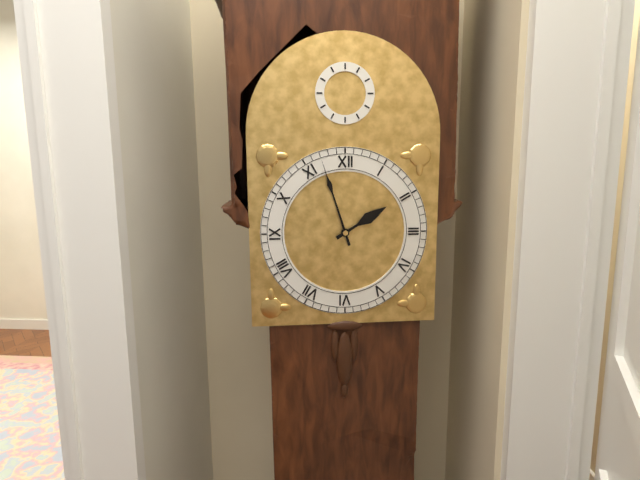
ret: {"hour": 1, "minute": 57}
